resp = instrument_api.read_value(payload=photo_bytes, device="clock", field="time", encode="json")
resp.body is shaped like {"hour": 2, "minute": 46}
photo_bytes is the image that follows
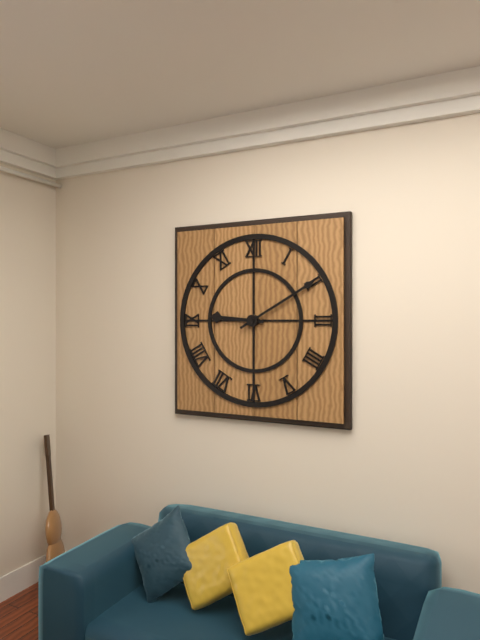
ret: {"hour": 9, "minute": 10}
